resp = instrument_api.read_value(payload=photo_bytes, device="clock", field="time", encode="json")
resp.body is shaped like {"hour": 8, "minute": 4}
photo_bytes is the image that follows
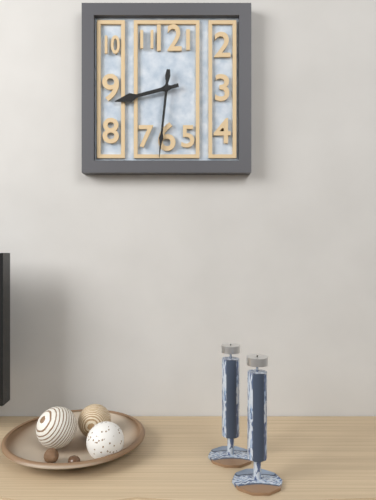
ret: {"hour": 8, "minute": 31}
